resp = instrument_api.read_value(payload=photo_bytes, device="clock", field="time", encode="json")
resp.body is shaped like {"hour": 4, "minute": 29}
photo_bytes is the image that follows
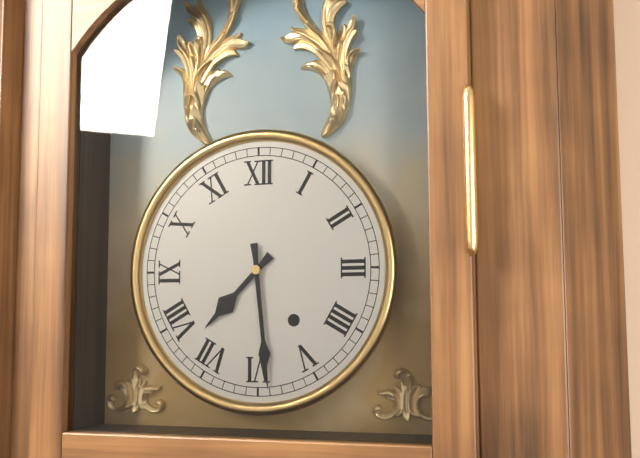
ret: {"hour": 7, "minute": 29}
